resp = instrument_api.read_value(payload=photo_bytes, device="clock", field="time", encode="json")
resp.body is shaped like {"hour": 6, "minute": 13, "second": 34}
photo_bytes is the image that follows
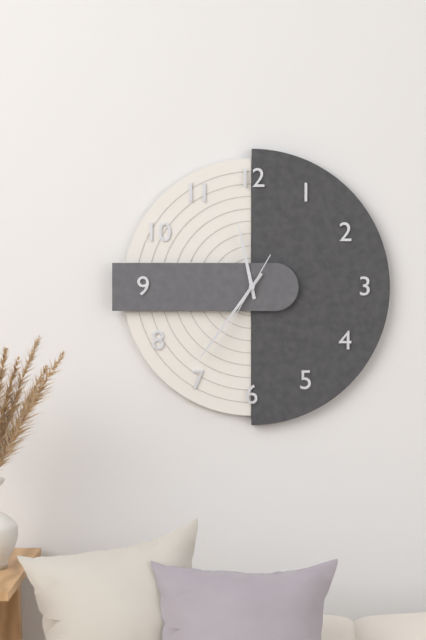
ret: {"hour": 11, "minute": 36, "second": 35}
